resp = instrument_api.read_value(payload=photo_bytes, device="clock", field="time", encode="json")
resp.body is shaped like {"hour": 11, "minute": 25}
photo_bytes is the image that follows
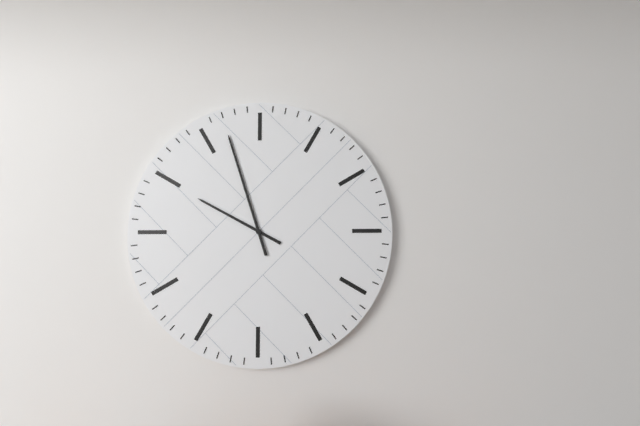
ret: {"hour": 9, "minute": 57}
